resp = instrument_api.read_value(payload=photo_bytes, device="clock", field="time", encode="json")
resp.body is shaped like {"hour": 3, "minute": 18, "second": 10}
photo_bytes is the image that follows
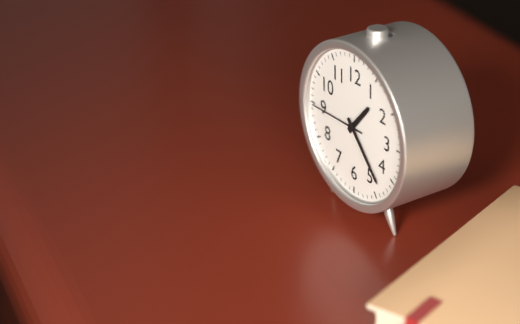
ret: {"hour": 1, "minute": 23, "second": 45}
